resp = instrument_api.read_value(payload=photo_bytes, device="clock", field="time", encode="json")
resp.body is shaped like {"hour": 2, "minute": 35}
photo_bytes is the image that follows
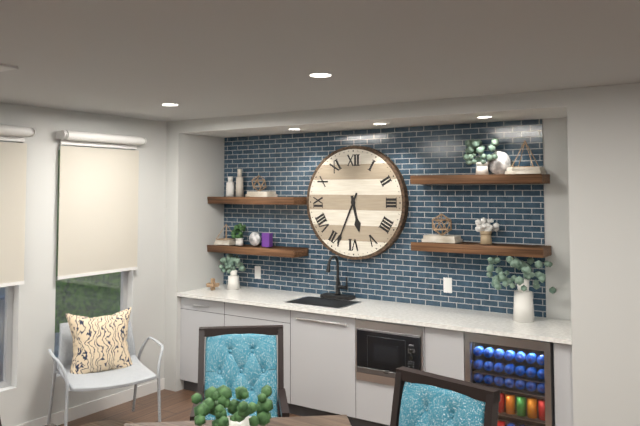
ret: {"hour": 5, "minute": 34}
